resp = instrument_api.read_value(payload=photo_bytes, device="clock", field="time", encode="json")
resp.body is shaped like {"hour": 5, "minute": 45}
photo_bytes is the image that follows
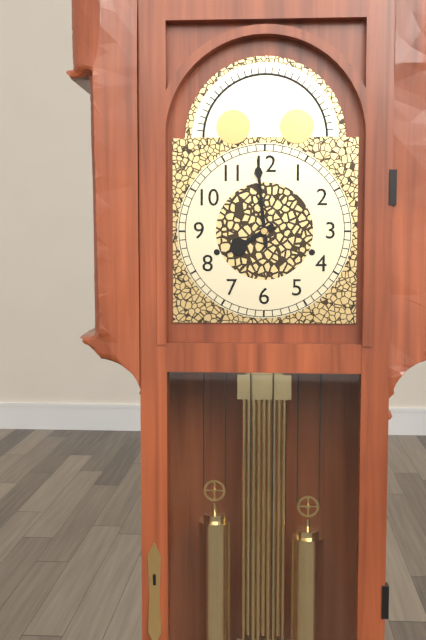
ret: {"hour": 7, "minute": 59}
